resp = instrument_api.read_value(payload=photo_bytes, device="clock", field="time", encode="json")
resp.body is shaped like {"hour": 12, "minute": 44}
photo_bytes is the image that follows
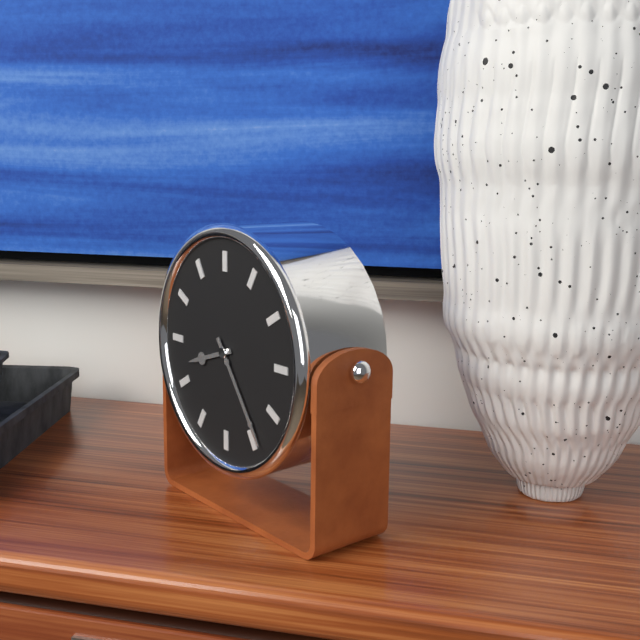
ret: {"hour": 8, "minute": 24}
